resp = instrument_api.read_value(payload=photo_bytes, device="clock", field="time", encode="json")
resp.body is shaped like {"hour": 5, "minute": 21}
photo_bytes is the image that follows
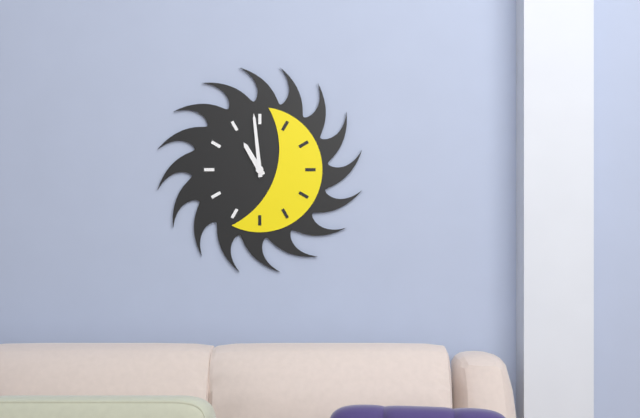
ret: {"hour": 10, "minute": 59}
